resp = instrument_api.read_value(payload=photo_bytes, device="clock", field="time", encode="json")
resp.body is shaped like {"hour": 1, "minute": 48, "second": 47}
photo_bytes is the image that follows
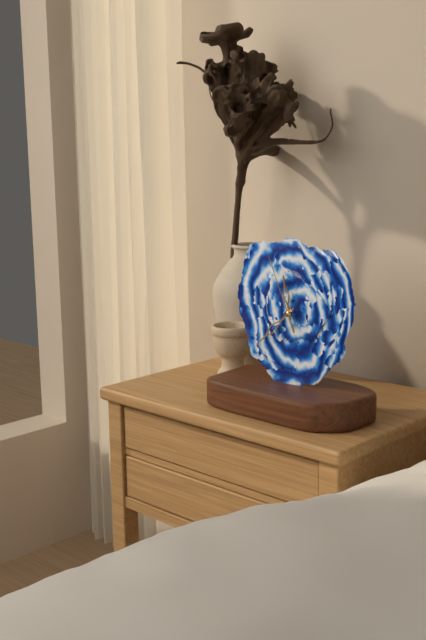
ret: {"hour": 11, "minute": 38, "second": 56}
